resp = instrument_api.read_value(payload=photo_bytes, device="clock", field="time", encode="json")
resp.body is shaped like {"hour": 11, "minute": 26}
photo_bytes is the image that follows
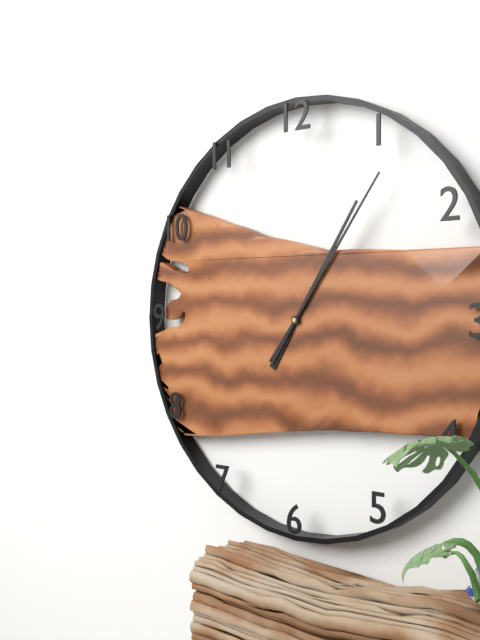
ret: {"hour": 1, "minute": 6}
